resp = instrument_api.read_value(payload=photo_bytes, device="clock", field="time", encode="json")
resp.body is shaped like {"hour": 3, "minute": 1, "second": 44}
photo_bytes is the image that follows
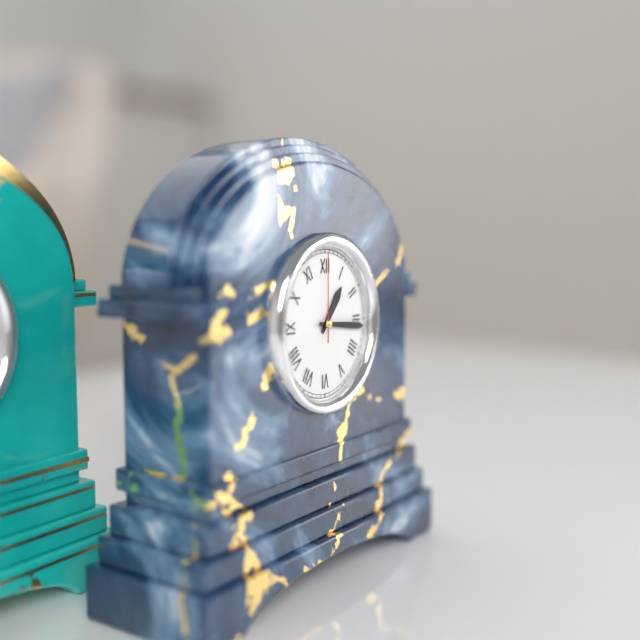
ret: {"hour": 1, "minute": 16, "second": 0}
